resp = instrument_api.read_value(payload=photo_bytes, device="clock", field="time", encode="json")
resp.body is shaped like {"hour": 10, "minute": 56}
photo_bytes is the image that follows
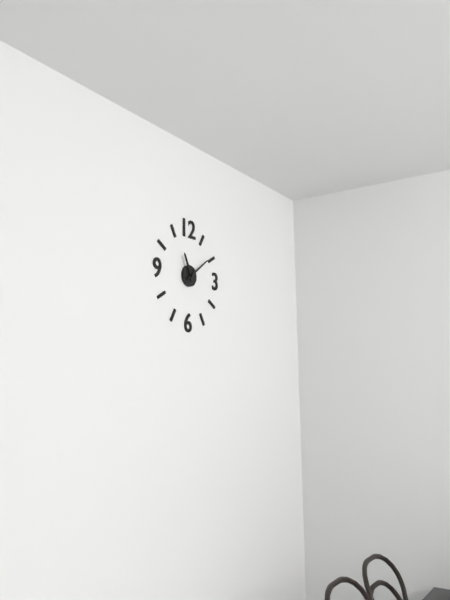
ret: {"hour": 11, "minute": 9}
